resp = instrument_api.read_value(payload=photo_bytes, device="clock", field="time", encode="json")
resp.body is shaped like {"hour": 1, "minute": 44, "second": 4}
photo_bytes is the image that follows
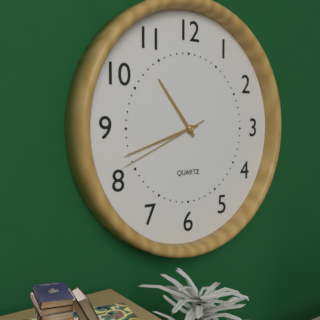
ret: {"hour": 10, "minute": 42, "second": 41}
